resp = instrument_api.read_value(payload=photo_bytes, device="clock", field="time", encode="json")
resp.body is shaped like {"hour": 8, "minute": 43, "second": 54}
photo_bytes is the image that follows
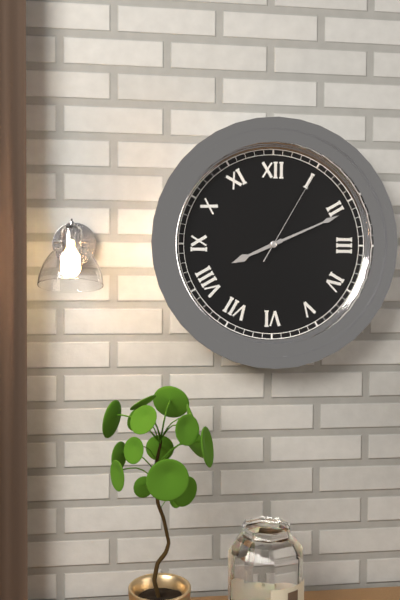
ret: {"hour": 8, "minute": 11, "second": 5}
